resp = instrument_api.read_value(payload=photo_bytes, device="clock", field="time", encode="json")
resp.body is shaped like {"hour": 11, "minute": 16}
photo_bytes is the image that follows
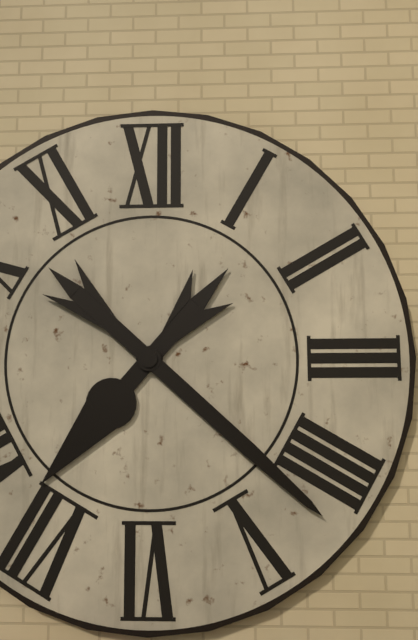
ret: {"hour": 7, "minute": 22}
